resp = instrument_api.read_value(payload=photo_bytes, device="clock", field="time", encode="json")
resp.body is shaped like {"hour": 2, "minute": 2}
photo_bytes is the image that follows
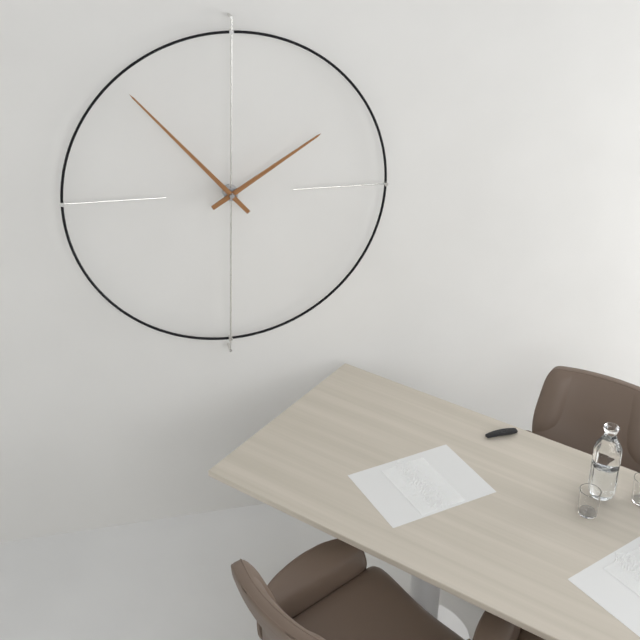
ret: {"hour": 1, "minute": 53}
